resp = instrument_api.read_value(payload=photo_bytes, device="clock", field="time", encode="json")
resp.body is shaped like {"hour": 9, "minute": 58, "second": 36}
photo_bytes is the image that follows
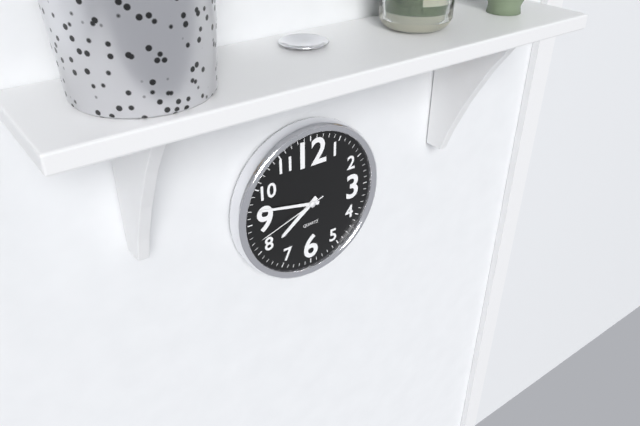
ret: {"hour": 7, "minute": 47, "second": 42}
